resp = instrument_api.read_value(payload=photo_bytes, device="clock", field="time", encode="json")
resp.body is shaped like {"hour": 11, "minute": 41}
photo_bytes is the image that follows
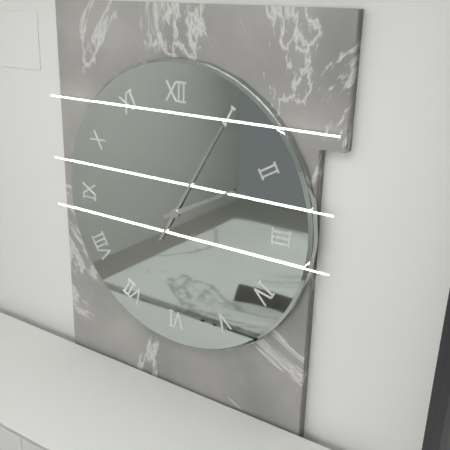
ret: {"hour": 2, "minute": 5}
